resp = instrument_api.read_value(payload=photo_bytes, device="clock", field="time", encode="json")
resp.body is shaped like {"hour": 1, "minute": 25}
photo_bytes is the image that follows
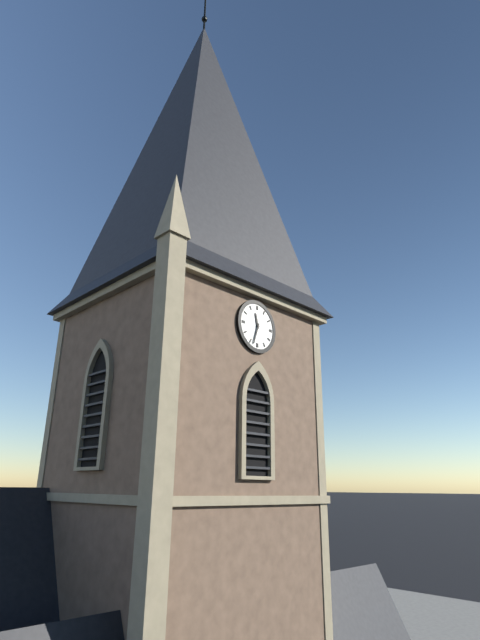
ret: {"hour": 11, "minute": 33}
